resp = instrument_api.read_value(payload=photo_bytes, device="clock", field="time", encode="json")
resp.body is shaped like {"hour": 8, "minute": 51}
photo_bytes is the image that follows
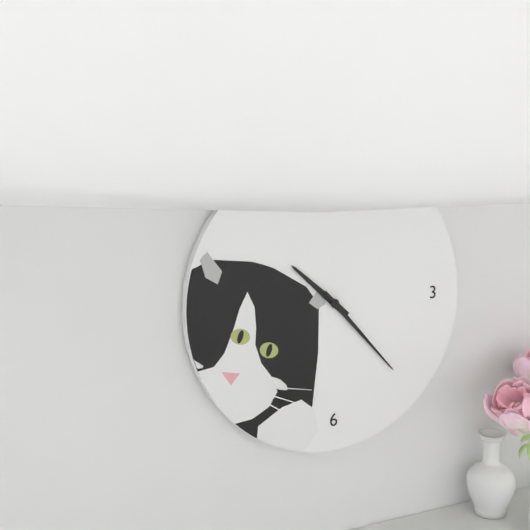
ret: {"hour": 10, "minute": 23}
